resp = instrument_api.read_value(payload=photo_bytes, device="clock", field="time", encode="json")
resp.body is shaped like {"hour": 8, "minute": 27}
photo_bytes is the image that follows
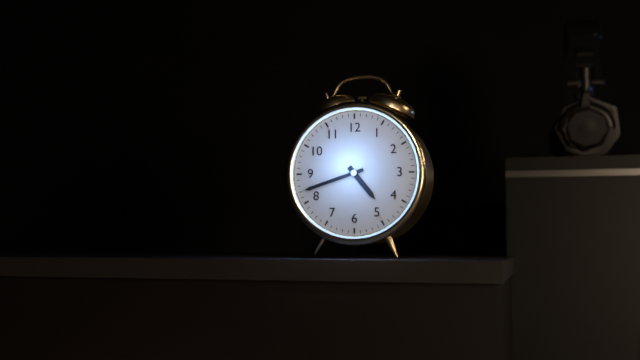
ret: {"hour": 4, "minute": 42}
